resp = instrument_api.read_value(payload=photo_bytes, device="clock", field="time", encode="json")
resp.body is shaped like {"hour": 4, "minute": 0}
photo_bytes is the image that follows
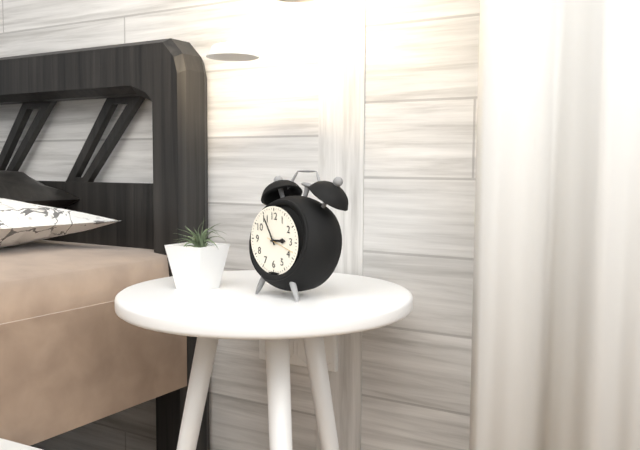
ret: {"hour": 2, "minute": 55}
